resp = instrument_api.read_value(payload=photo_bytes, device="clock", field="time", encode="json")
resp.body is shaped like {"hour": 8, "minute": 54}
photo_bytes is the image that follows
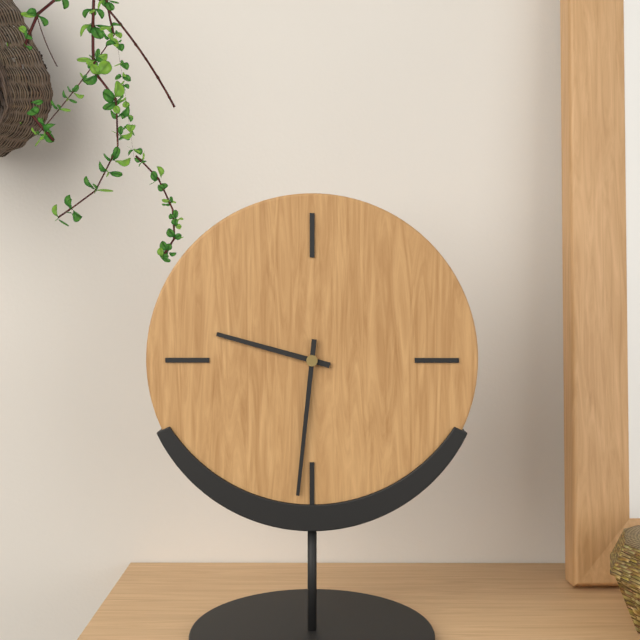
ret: {"hour": 9, "minute": 31}
